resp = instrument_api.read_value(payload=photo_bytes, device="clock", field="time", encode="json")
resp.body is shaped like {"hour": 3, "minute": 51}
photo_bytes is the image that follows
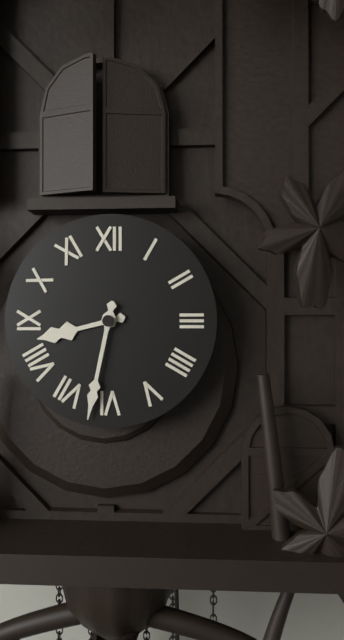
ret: {"hour": 8, "minute": 32}
